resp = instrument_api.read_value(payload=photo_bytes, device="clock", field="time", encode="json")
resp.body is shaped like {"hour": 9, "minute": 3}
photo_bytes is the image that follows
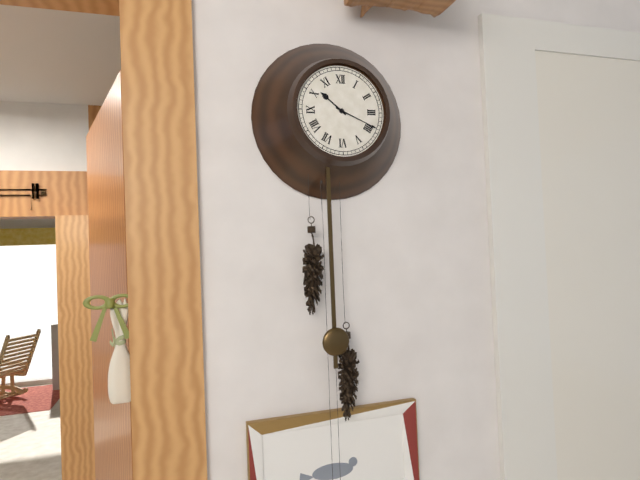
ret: {"hour": 10, "minute": 19}
